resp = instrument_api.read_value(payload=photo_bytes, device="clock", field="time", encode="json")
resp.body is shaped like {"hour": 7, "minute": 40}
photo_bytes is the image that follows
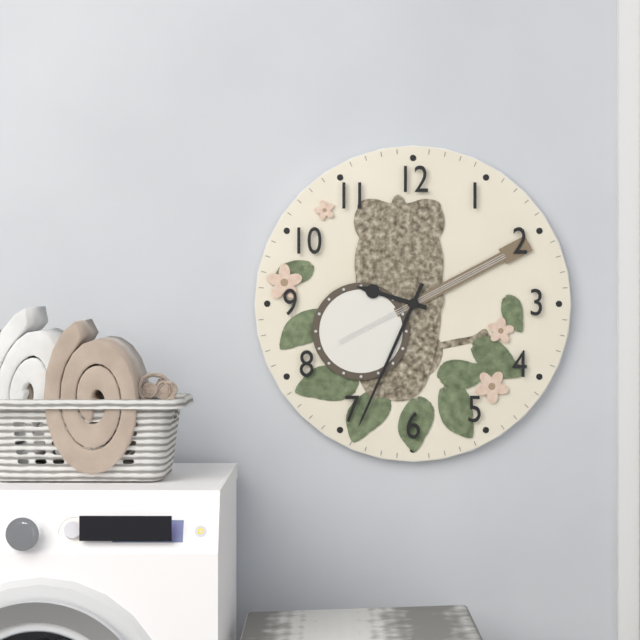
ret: {"hour": 9, "minute": 34}
